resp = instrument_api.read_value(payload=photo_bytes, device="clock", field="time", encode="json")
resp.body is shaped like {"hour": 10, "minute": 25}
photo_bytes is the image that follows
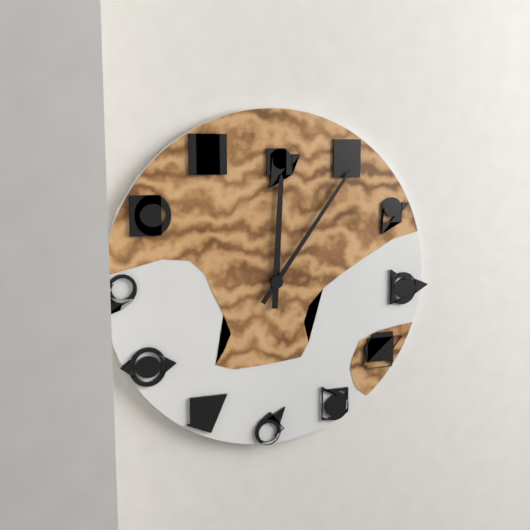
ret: {"hour": 12, "minute": 6}
